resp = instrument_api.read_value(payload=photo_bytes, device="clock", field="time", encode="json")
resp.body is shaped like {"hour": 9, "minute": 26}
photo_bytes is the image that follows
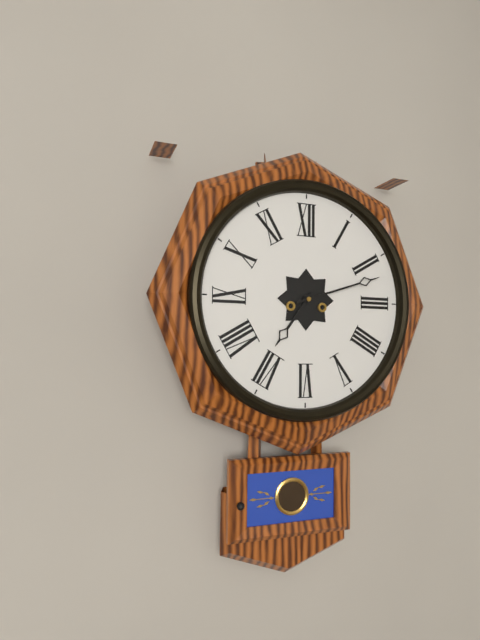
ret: {"hour": 7, "minute": 12}
